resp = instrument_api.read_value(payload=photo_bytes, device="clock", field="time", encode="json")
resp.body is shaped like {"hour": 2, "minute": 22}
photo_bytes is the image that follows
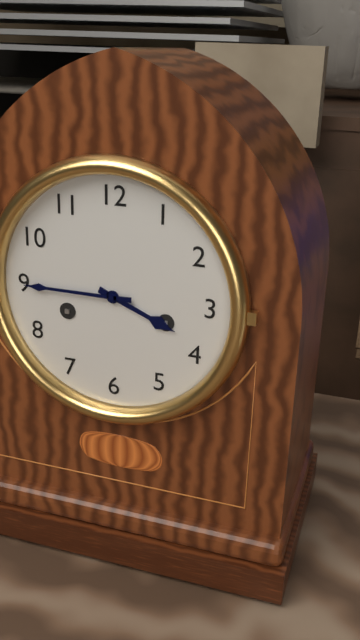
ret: {"hour": 3, "minute": 45}
